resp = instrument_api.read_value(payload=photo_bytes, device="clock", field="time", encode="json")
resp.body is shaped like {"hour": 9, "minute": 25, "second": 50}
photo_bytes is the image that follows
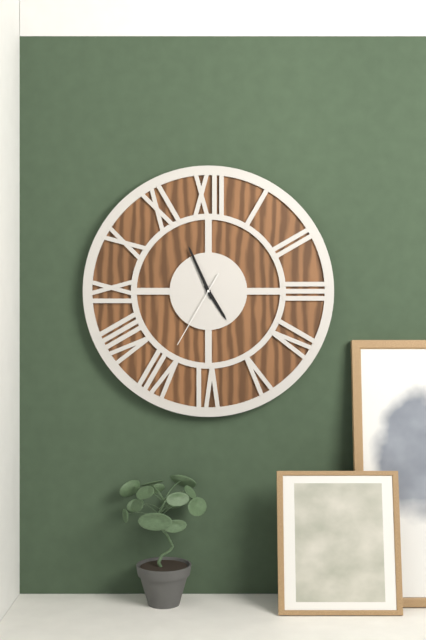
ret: {"hour": 4, "minute": 56, "second": 35}
